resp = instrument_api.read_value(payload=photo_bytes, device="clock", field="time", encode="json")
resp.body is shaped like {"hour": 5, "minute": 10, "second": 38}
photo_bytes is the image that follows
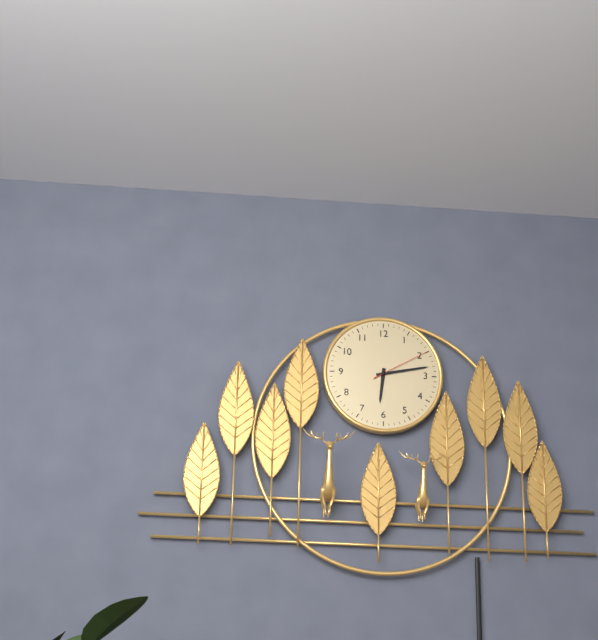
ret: {"hour": 6, "minute": 13, "second": 10}
